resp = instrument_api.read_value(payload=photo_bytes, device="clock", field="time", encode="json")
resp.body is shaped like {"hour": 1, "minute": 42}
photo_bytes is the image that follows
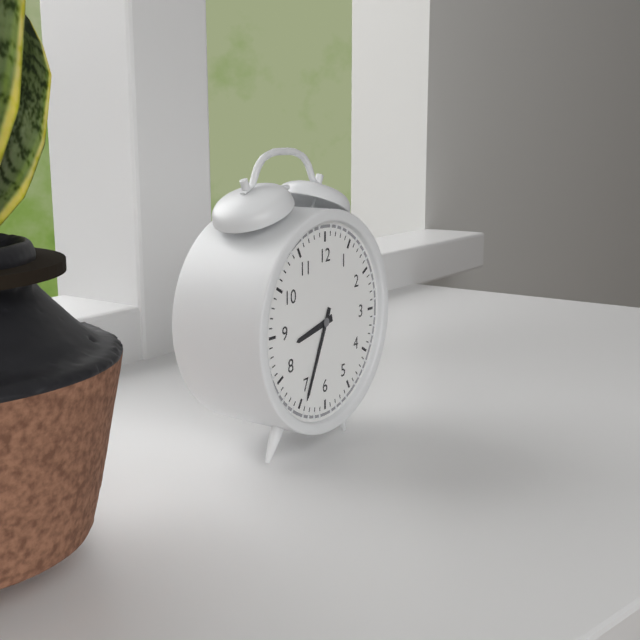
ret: {"hour": 8, "minute": 34}
